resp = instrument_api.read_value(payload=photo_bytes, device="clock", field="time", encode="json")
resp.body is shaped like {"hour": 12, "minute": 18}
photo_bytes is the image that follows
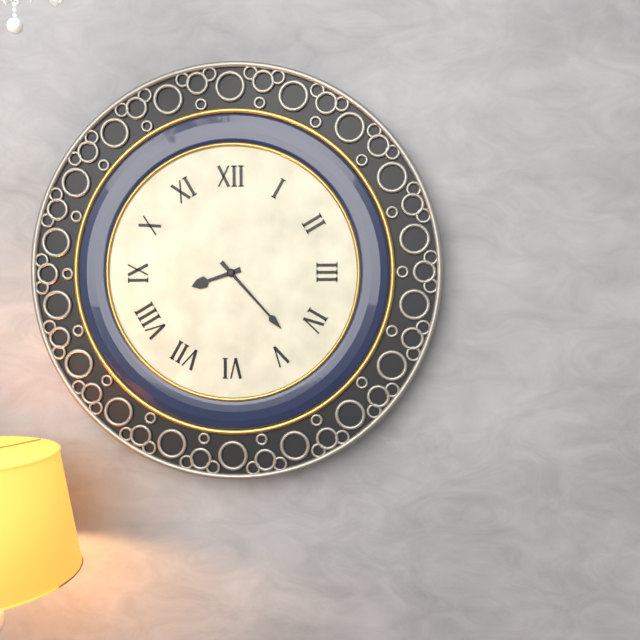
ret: {"hour": 8, "minute": 23}
